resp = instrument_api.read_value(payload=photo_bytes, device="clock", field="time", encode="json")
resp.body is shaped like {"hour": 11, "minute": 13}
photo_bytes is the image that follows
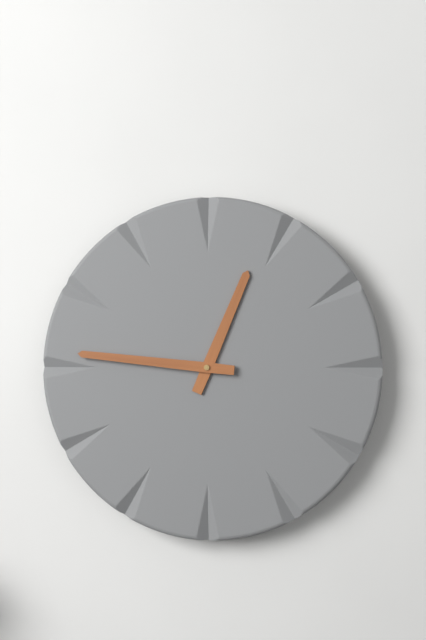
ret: {"hour": 12, "minute": 46}
